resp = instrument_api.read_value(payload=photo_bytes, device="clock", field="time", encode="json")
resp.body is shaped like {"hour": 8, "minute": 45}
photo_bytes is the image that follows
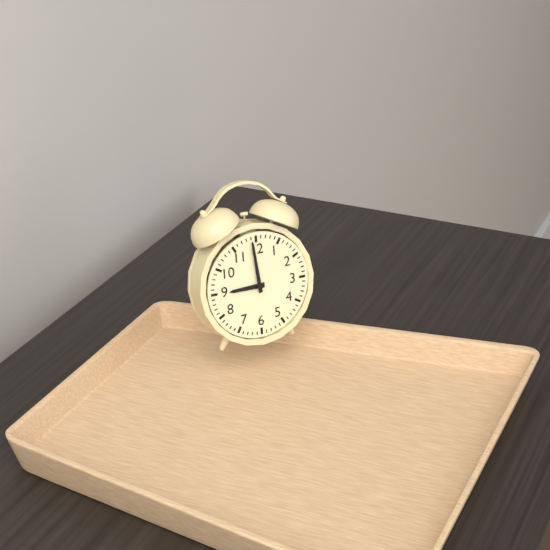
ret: {"hour": 8, "minute": 59}
